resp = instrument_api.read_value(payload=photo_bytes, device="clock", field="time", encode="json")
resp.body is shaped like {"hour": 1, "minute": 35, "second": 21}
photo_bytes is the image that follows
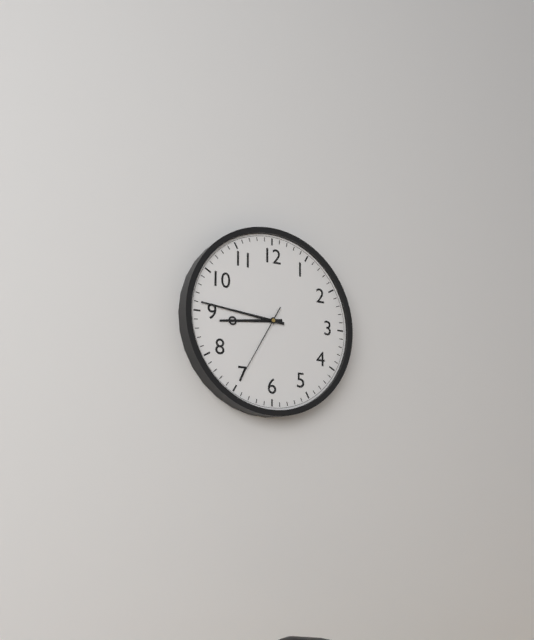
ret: {"hour": 8, "minute": 46, "second": 35}
